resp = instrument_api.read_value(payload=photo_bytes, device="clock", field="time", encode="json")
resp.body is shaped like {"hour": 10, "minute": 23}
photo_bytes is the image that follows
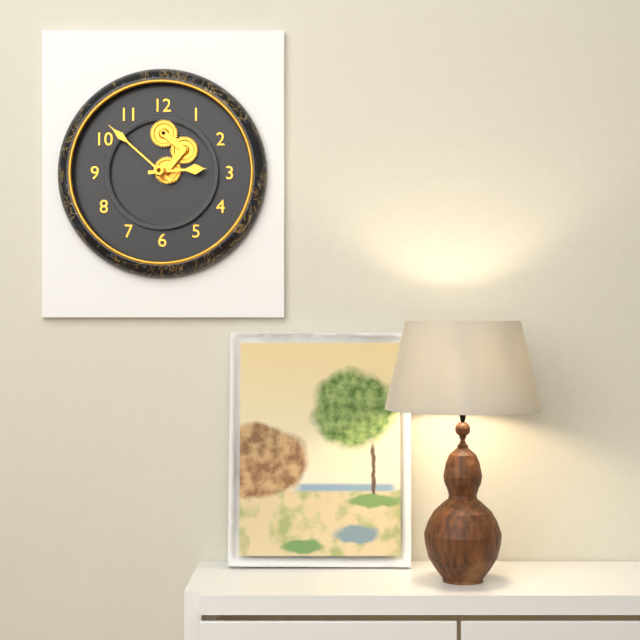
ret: {"hour": 2, "minute": 52}
